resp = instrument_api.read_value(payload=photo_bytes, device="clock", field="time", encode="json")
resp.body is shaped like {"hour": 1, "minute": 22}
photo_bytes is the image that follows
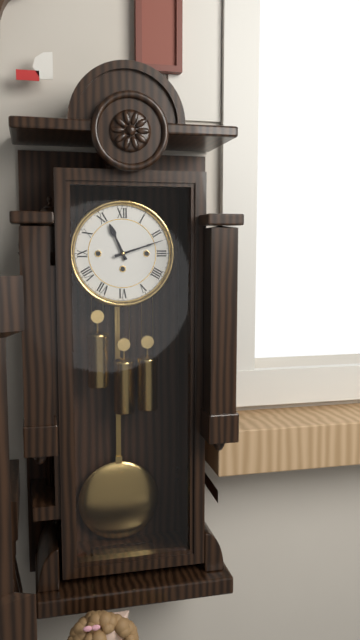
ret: {"hour": 11, "minute": 12}
